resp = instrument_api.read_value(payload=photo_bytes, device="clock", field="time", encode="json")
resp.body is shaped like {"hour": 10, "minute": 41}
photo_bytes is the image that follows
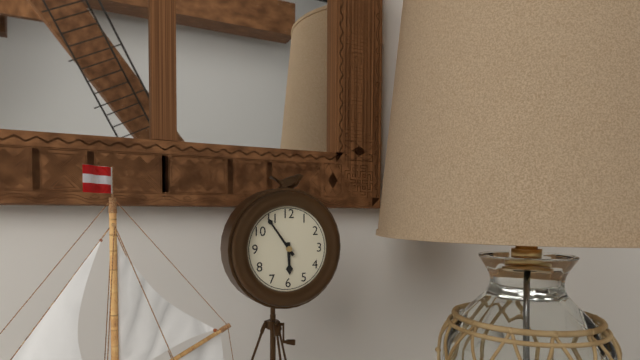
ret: {"hour": 5, "minute": 54}
